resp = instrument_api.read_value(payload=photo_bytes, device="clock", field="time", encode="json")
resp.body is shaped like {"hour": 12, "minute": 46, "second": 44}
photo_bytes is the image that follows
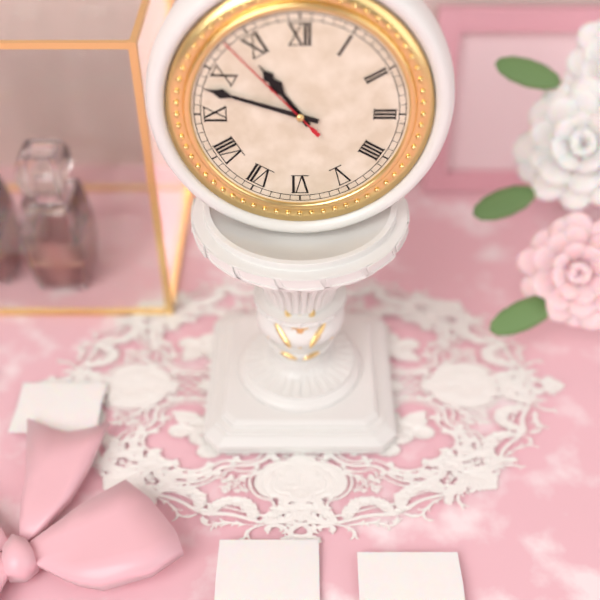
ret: {"hour": 10, "minute": 48, "second": 53}
